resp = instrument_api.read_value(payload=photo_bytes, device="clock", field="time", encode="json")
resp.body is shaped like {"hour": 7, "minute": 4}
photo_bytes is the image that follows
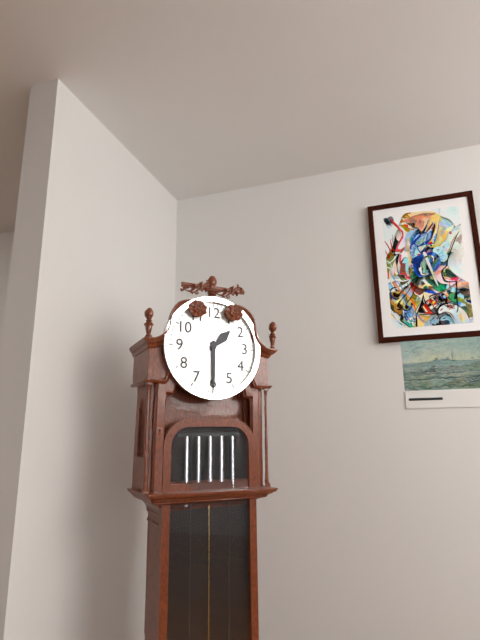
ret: {"hour": 1, "minute": 30}
